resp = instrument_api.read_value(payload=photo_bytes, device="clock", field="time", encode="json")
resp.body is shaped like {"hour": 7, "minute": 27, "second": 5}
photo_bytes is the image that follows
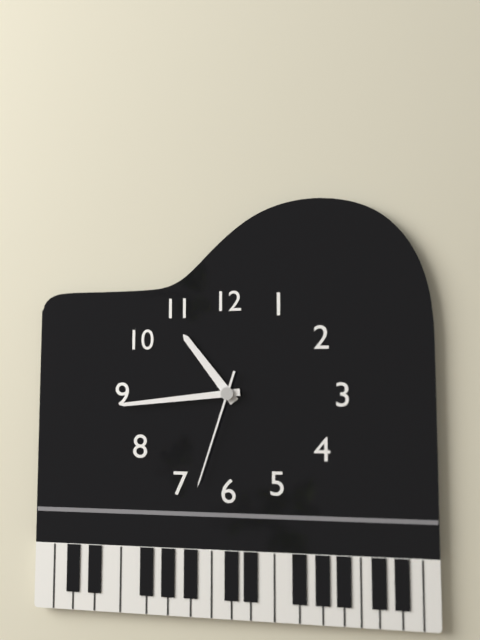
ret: {"hour": 10, "minute": 44, "second": 33}
